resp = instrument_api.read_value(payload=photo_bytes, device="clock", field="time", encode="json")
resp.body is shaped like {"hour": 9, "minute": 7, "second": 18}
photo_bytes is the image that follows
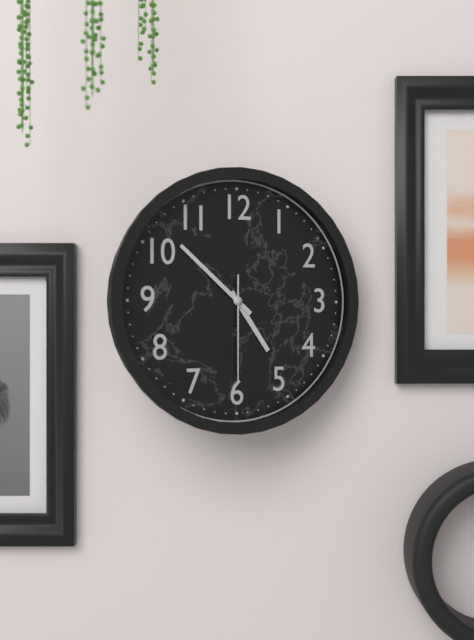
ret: {"hour": 4, "minute": 52, "second": 30}
